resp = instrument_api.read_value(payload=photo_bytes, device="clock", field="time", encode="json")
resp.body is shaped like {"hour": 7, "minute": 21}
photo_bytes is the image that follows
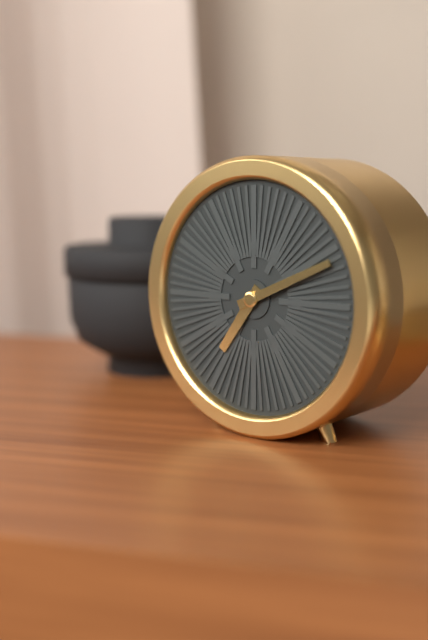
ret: {"hour": 7, "minute": 11}
